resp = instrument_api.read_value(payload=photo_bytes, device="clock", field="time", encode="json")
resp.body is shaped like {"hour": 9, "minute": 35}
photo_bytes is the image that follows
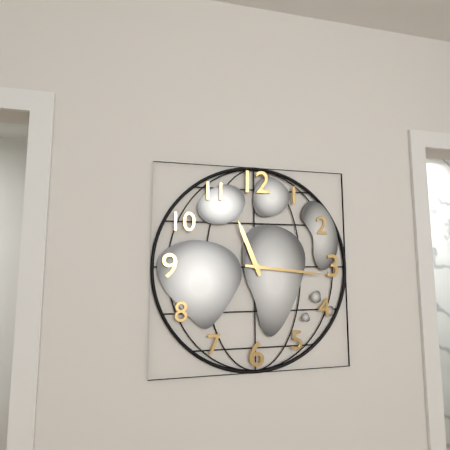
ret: {"hour": 11, "minute": 16}
